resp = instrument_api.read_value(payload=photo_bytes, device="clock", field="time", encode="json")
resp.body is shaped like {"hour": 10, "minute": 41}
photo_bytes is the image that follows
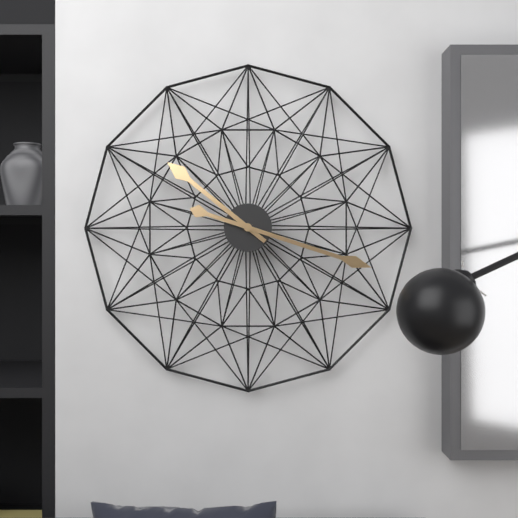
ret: {"hour": 10, "minute": 18}
